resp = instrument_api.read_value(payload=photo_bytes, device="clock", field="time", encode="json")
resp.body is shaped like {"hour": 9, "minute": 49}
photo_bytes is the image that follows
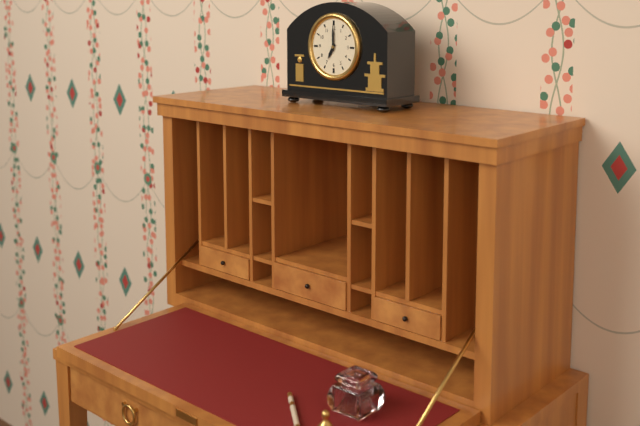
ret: {"hour": 7, "minute": 0}
